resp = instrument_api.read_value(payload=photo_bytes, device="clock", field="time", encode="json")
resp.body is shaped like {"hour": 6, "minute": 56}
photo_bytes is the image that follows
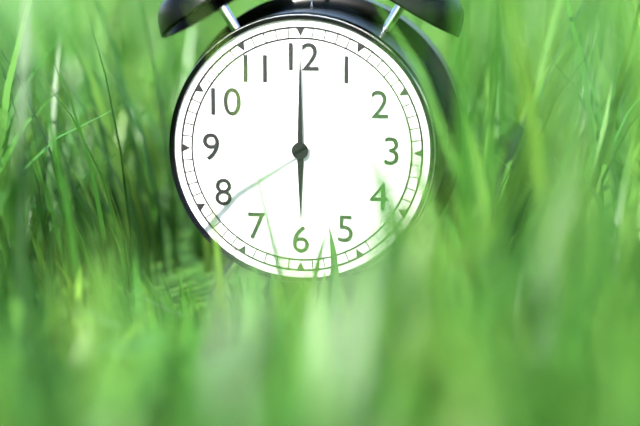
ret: {"hour": 6, "minute": 0}
